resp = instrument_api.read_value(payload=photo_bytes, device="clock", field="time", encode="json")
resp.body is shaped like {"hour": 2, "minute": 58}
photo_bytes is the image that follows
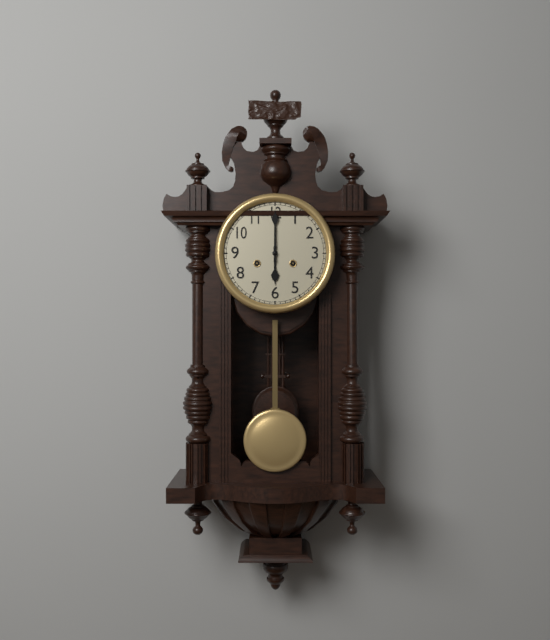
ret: {"hour": 6, "minute": 0}
